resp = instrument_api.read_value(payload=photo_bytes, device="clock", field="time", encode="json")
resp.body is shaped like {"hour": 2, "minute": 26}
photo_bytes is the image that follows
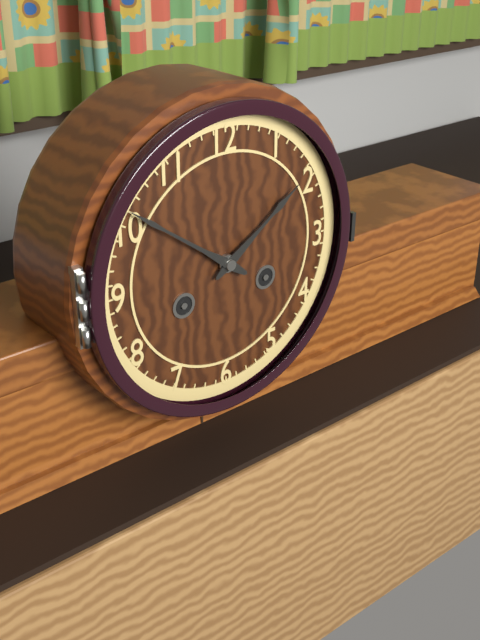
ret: {"hour": 1, "minute": 51}
